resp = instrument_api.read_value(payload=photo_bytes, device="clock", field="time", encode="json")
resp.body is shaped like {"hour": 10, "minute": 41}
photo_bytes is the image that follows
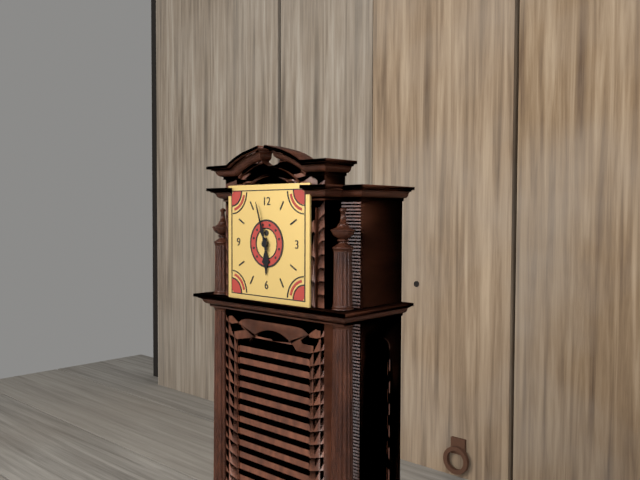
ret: {"hour": 5, "minute": 57}
